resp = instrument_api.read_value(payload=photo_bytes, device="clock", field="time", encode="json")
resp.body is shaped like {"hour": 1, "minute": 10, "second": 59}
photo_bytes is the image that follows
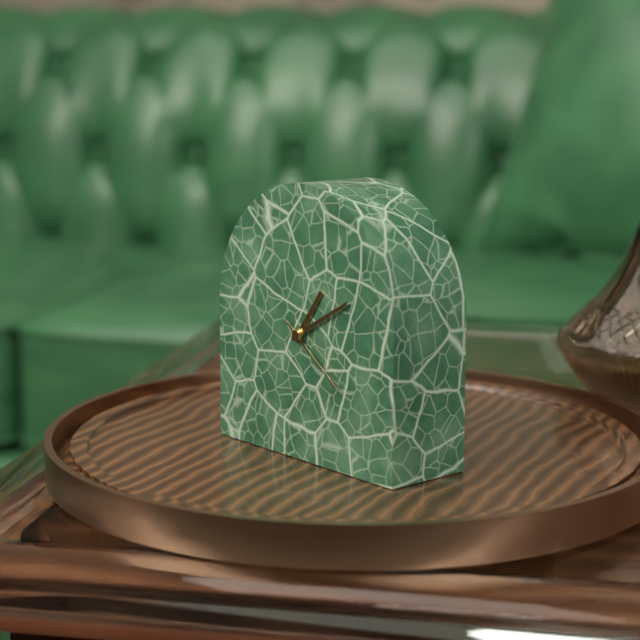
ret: {"hour": 1, "minute": 10, "second": 21}
